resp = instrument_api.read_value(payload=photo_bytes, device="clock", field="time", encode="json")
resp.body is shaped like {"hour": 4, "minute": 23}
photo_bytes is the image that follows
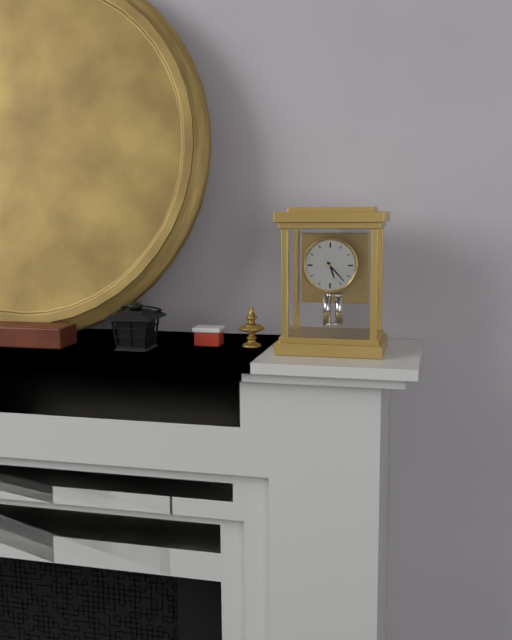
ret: {"hour": 5, "minute": 23}
